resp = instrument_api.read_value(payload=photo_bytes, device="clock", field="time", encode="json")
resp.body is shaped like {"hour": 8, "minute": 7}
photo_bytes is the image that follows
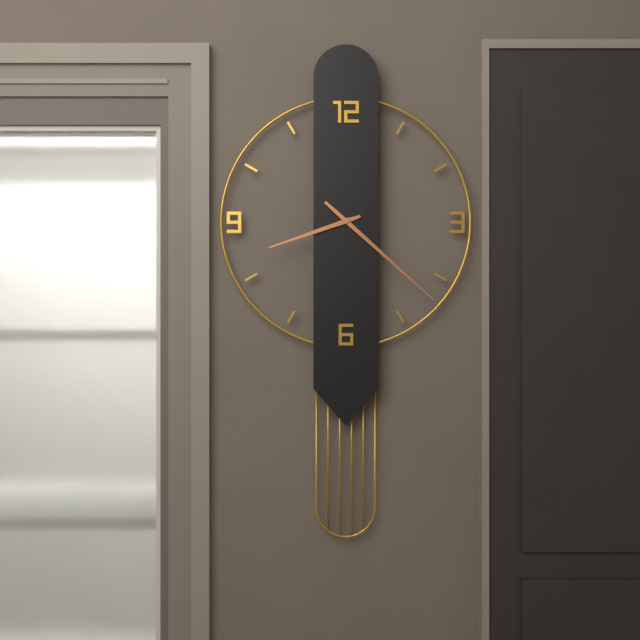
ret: {"hour": 8, "minute": 22}
